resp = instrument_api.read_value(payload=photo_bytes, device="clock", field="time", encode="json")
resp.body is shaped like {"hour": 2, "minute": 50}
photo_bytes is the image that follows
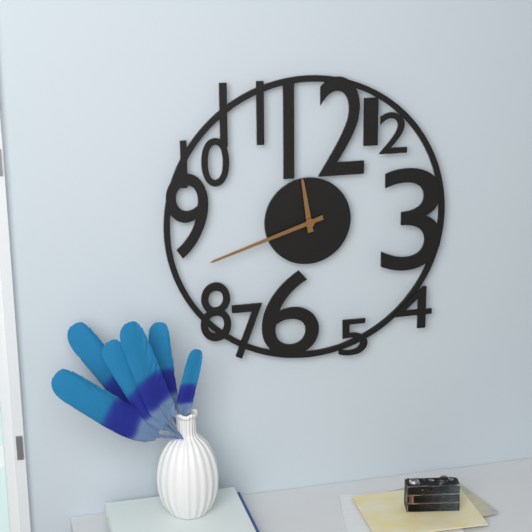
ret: {"hour": 11, "minute": 42}
